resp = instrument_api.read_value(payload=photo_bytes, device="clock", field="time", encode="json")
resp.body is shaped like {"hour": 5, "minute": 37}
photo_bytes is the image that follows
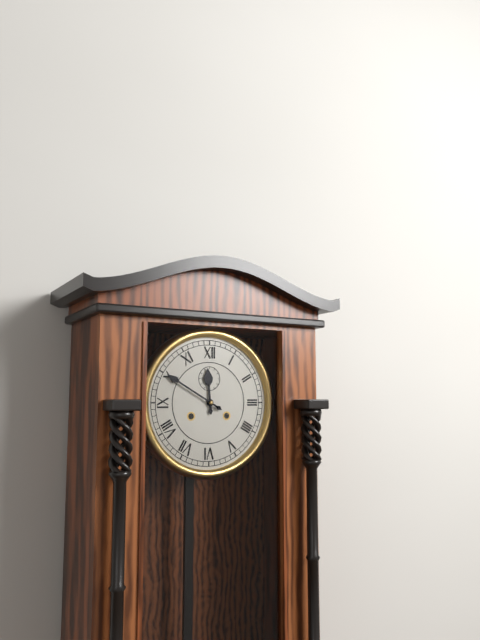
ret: {"hour": 11, "minute": 50}
